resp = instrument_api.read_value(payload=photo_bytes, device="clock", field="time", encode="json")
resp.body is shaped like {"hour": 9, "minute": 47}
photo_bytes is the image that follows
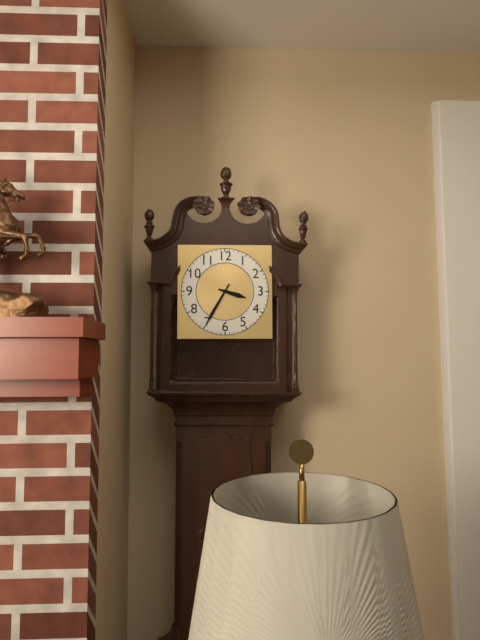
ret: {"hour": 3, "minute": 35}
